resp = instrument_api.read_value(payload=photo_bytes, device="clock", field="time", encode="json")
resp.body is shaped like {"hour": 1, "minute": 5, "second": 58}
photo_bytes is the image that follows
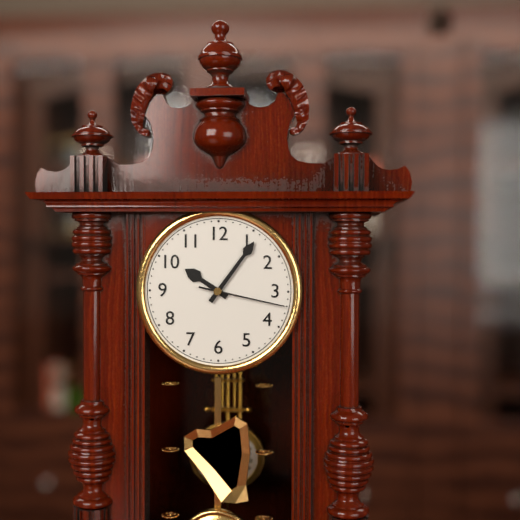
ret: {"hour": 10, "minute": 6, "second": 17}
